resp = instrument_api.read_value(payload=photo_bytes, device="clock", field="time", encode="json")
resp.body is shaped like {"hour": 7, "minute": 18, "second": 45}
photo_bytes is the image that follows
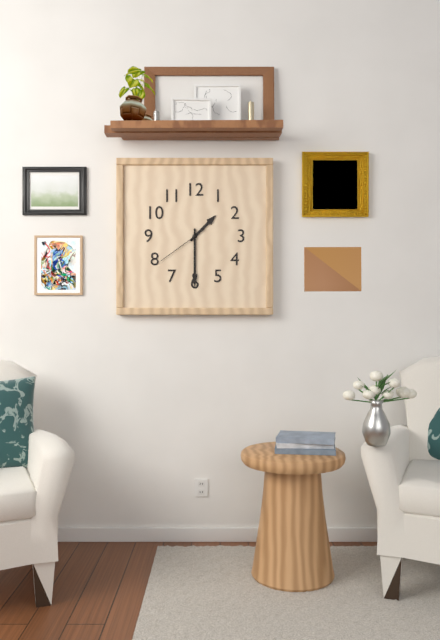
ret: {"hour": 1, "minute": 30, "second": 39}
